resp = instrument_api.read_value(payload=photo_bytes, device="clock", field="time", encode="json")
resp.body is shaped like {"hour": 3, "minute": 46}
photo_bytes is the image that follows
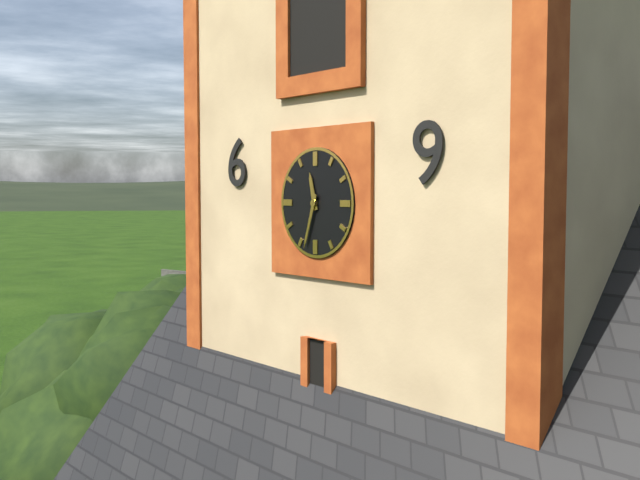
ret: {"hour": 11, "minute": 33}
